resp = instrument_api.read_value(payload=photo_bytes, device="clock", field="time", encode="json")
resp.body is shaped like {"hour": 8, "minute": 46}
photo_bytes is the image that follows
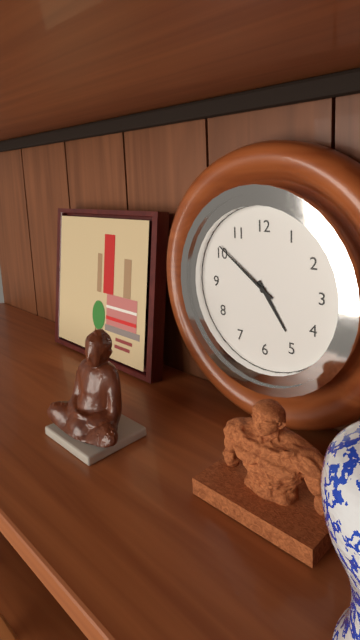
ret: {"hour": 4, "minute": 51}
